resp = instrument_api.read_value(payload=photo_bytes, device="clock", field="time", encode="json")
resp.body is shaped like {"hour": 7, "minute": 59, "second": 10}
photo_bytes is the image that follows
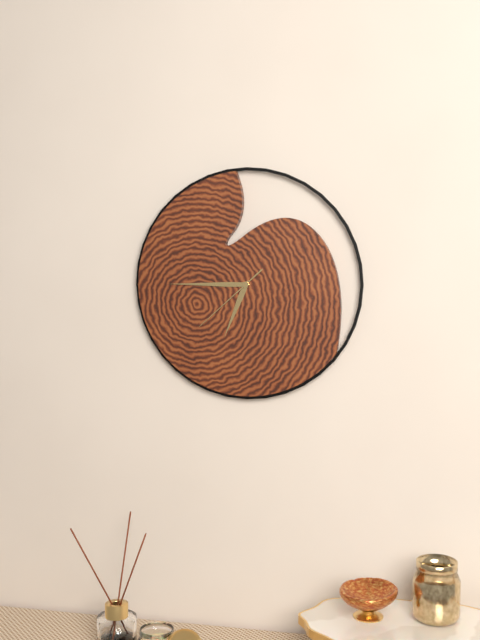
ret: {"hour": 6, "minute": 45, "second": 38}
